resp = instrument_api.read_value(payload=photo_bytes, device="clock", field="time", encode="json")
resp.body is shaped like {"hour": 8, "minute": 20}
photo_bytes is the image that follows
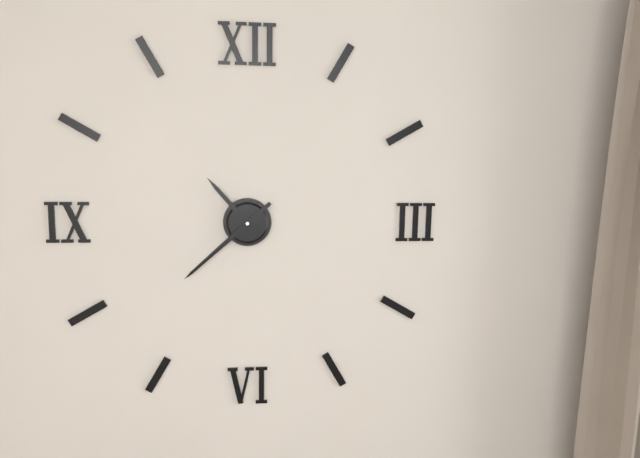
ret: {"hour": 10, "minute": 38}
